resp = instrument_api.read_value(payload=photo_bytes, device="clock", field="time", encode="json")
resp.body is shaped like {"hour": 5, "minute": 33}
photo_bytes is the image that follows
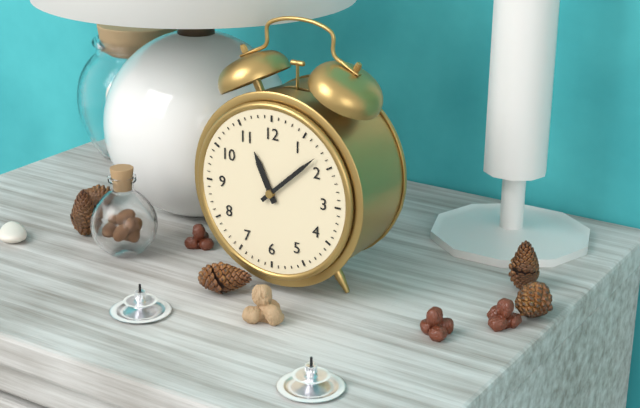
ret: {"hour": 11, "minute": 8}
